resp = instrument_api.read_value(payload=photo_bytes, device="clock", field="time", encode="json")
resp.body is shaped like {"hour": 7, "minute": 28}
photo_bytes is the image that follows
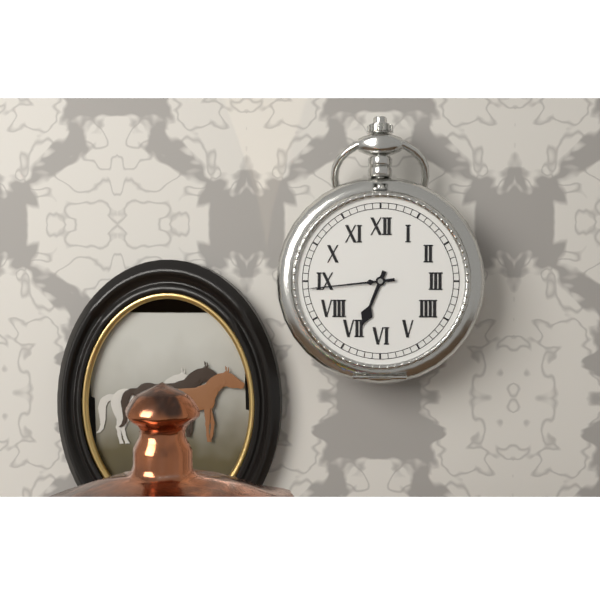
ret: {"hour": 6, "minute": 44}
